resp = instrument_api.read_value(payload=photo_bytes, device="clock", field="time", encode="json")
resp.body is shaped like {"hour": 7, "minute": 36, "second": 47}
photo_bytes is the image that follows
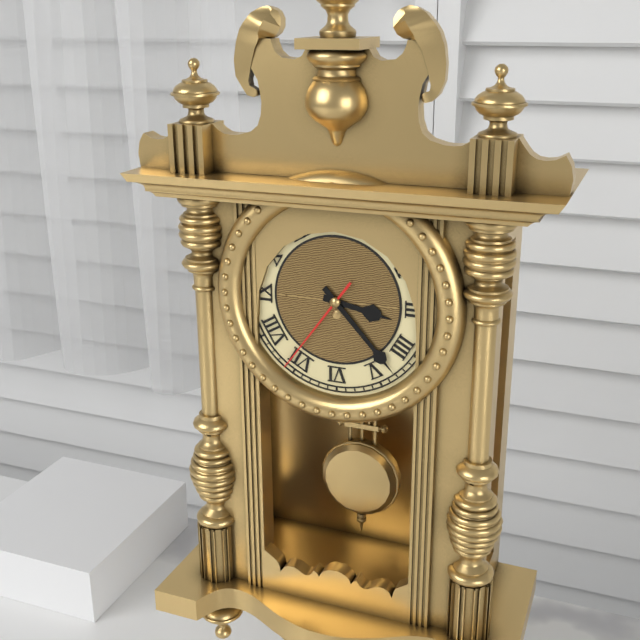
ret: {"hour": 3, "minute": 23, "second": 36}
